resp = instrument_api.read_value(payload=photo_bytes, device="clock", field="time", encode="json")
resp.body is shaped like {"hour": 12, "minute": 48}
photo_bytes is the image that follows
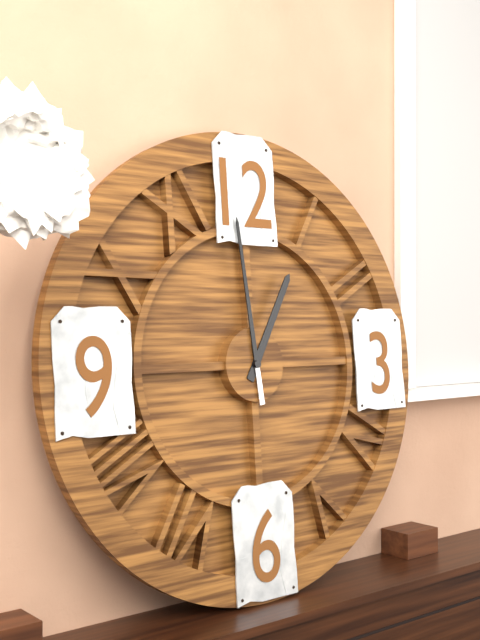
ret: {"hour": 12, "minute": 59}
